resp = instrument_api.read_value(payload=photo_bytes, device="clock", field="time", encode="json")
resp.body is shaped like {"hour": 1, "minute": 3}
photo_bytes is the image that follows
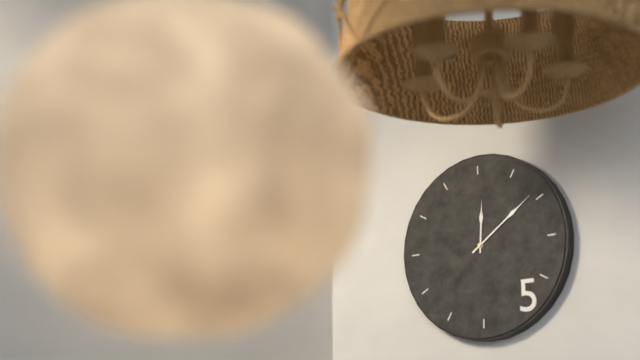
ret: {"hour": 12, "minute": 9}
